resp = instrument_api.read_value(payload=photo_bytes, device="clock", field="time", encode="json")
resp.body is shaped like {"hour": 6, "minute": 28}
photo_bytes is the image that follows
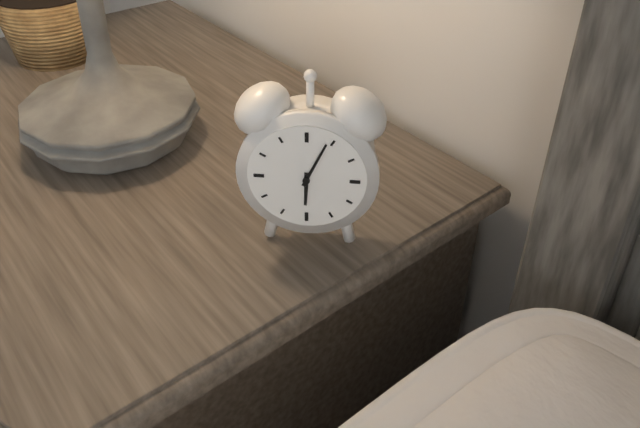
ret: {"hour": 6, "minute": 4}
